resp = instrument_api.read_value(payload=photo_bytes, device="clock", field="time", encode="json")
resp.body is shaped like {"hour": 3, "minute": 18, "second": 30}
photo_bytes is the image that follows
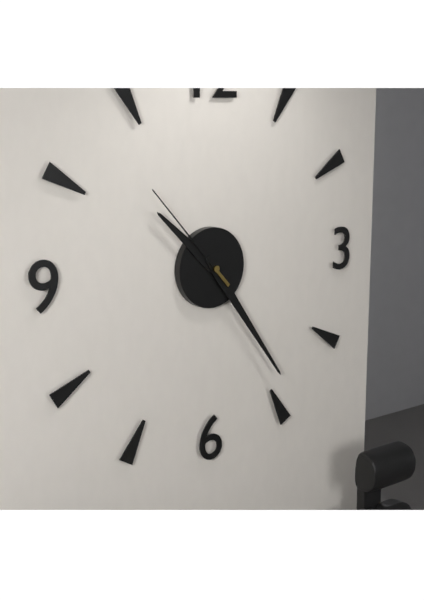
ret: {"hour": 10, "minute": 24, "second": 53}
